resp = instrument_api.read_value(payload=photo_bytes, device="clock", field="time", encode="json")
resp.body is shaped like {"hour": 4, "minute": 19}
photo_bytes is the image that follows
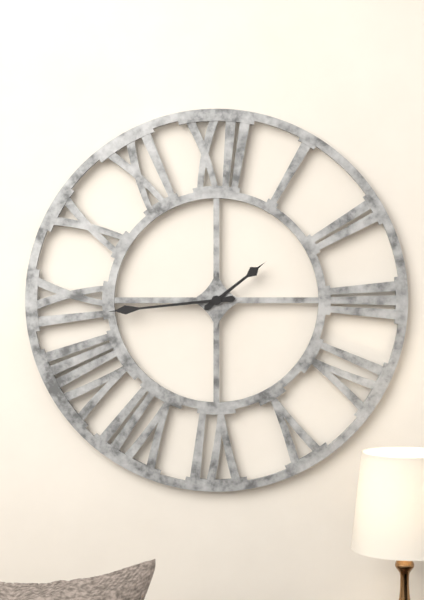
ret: {"hour": 1, "minute": 44}
